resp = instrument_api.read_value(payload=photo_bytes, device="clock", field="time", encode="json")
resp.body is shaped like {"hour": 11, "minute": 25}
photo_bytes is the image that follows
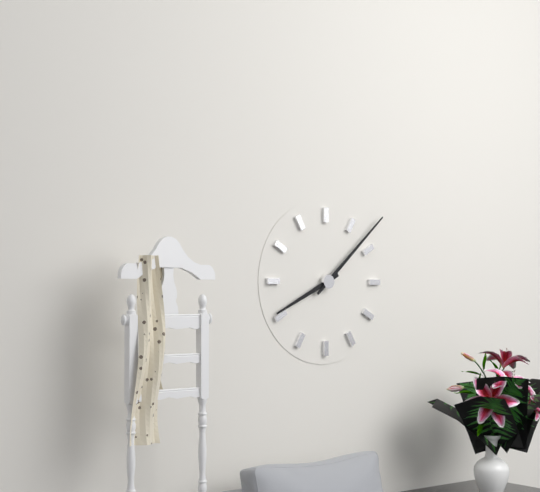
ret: {"hour": 8, "minute": 8}
